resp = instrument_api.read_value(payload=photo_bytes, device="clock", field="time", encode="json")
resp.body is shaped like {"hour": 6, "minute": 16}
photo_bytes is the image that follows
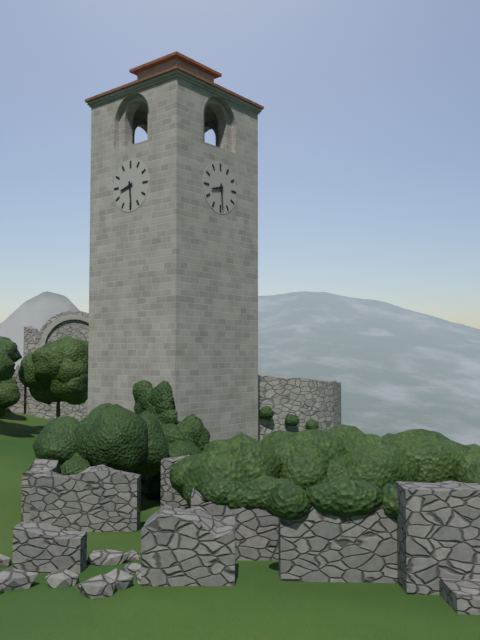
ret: {"hour": 8, "minute": 29}
